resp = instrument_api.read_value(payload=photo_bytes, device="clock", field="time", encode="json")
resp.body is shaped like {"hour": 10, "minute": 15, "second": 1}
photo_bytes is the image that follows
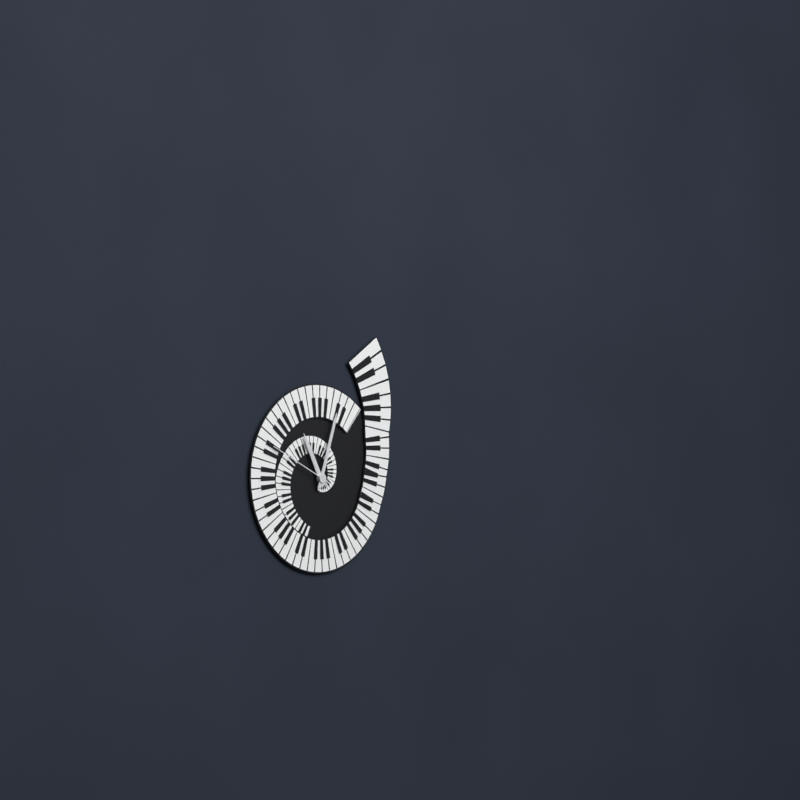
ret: {"hour": 11, "minute": 3, "second": 49}
